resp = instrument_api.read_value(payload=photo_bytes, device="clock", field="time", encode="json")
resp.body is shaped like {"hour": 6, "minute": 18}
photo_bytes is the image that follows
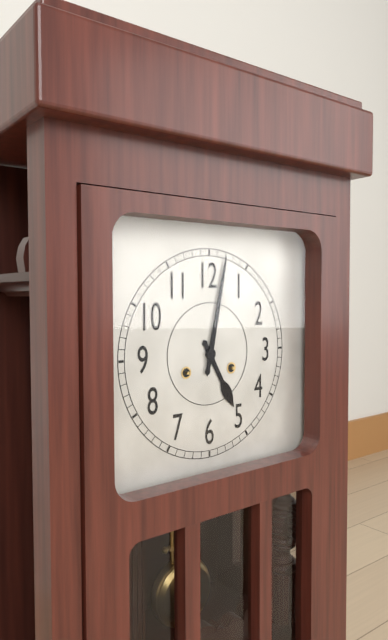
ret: {"hour": 5, "minute": 2}
